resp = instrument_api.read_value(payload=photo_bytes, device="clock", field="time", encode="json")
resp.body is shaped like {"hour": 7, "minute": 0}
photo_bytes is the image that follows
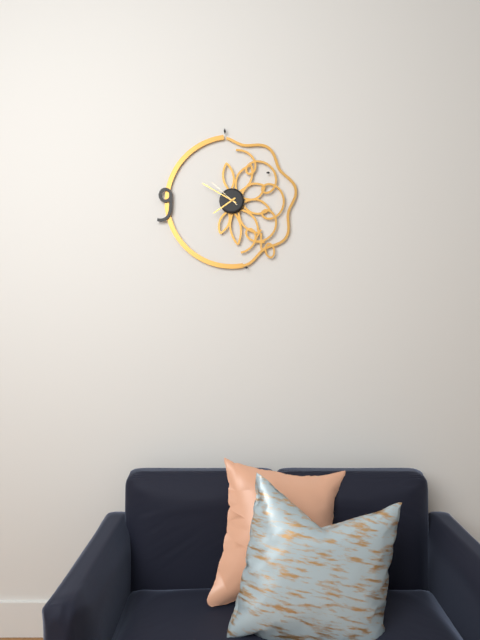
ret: {"hour": 7, "minute": 50}
